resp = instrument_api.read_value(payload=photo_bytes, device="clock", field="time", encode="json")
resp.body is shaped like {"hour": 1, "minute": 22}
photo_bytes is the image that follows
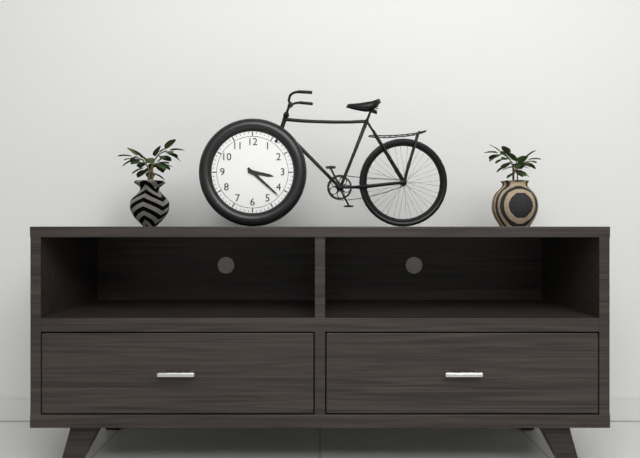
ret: {"hour": 3, "minute": 22}
